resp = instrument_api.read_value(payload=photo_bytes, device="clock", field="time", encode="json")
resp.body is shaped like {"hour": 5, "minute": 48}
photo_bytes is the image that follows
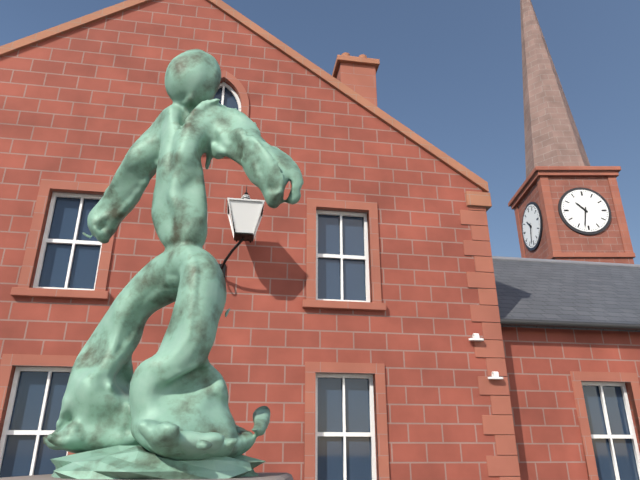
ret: {"hour": 10, "minute": 32}
